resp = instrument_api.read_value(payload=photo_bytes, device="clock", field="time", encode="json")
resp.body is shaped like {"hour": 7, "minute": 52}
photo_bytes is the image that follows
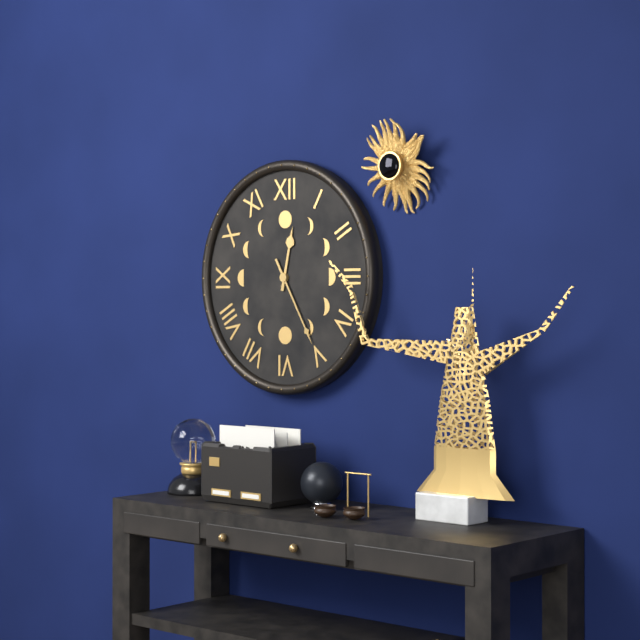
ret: {"hour": 12, "minute": 25}
